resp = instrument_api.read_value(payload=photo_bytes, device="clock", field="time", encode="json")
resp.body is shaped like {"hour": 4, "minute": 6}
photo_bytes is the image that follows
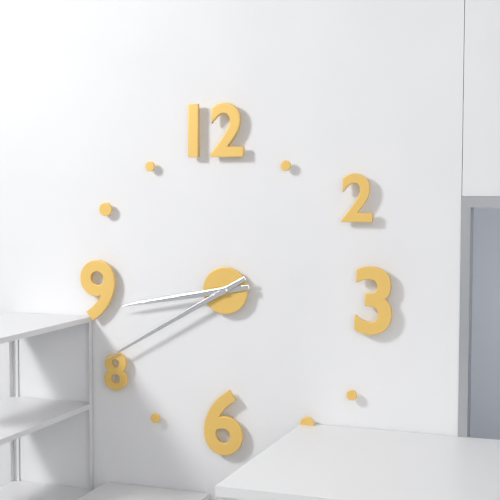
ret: {"hour": 8, "minute": 40}
